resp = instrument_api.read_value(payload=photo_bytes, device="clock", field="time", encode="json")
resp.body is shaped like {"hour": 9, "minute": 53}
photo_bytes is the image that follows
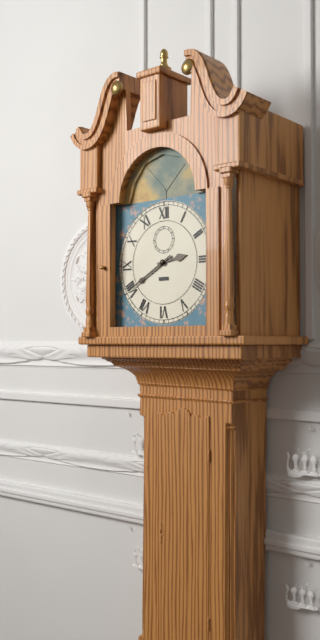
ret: {"hour": 2, "minute": 40}
